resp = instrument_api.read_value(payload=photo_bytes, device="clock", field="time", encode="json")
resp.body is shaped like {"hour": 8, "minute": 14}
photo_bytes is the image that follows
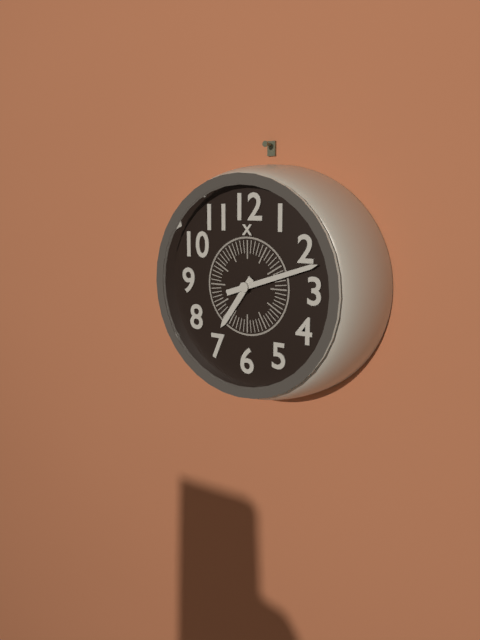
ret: {"hour": 7, "minute": 12}
